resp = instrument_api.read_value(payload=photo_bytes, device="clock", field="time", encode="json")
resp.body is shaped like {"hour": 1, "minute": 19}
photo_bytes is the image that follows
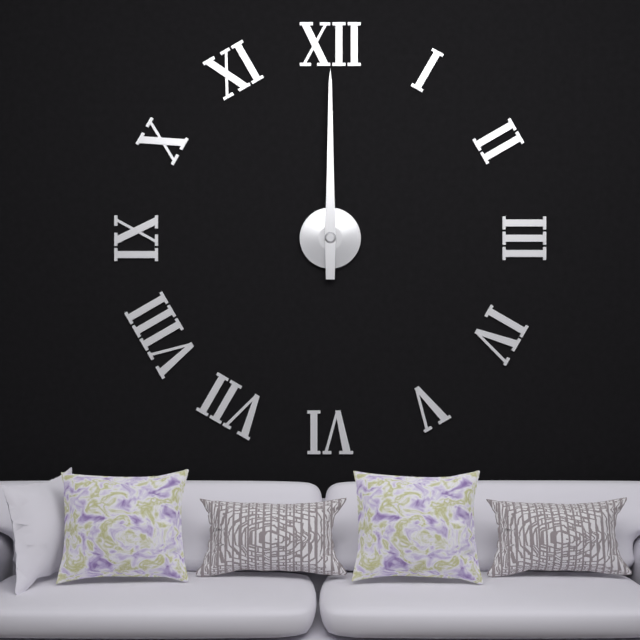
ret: {"hour": 12, "minute": 0}
